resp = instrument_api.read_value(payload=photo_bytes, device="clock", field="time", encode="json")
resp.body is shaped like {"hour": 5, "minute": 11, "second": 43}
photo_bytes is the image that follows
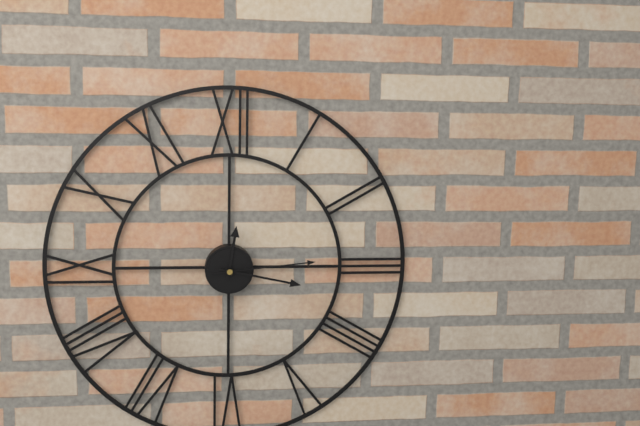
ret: {"hour": 12, "minute": 17, "second": 14}
